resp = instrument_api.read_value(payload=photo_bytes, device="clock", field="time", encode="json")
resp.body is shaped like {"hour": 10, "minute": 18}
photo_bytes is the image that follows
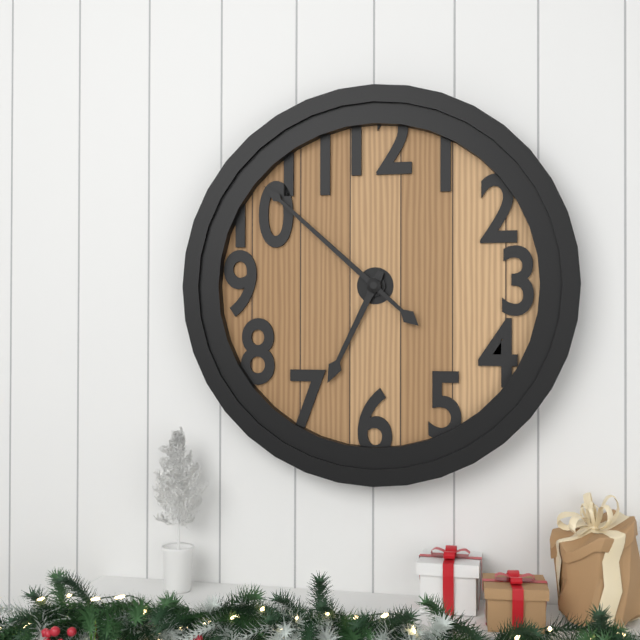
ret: {"hour": 6, "minute": 52}
